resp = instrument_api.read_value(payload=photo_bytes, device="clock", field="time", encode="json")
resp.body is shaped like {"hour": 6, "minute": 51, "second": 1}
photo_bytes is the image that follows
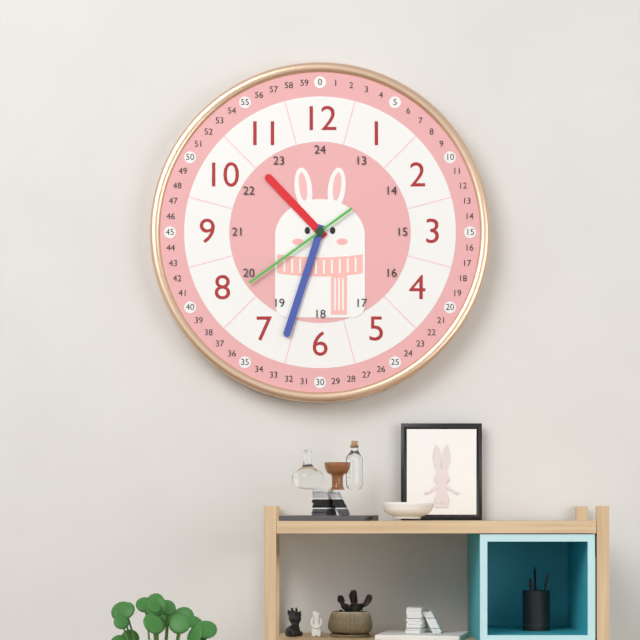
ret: {"hour": 10, "minute": 33, "second": 39}
